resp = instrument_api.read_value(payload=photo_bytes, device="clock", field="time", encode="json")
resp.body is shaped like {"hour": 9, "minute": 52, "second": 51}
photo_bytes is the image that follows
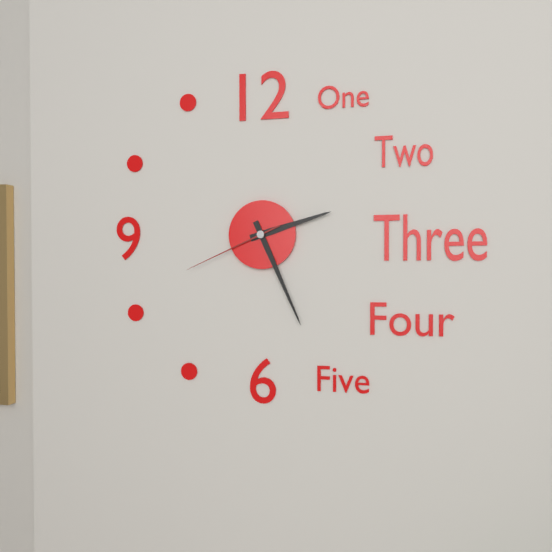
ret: {"hour": 2, "minute": 26, "second": 41}
